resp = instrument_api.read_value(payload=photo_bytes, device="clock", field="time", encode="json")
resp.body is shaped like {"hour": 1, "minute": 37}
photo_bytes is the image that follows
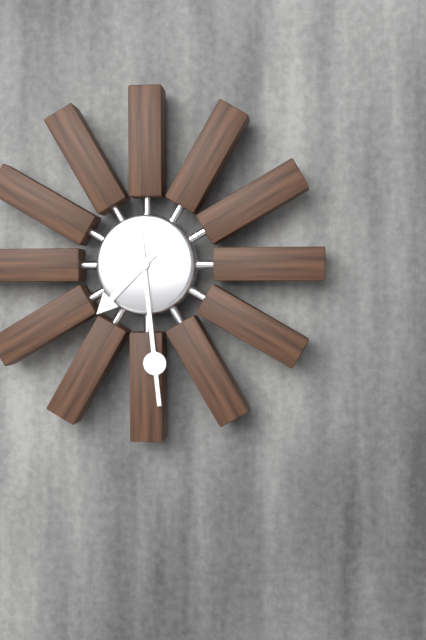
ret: {"hour": 7, "minute": 29}
